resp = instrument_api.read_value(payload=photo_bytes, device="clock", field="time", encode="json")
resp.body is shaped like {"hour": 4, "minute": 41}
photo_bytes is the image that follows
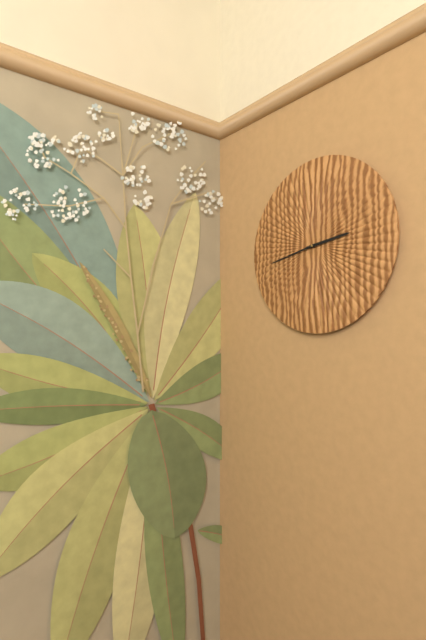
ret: {"hour": 2, "minute": 43}
